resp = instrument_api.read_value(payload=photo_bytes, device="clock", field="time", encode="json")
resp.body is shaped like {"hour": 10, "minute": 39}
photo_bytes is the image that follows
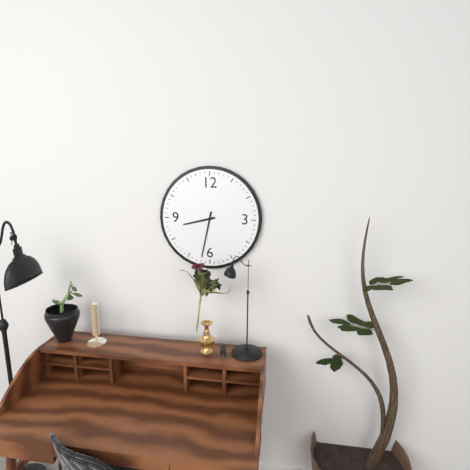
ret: {"hour": 8, "minute": 32}
